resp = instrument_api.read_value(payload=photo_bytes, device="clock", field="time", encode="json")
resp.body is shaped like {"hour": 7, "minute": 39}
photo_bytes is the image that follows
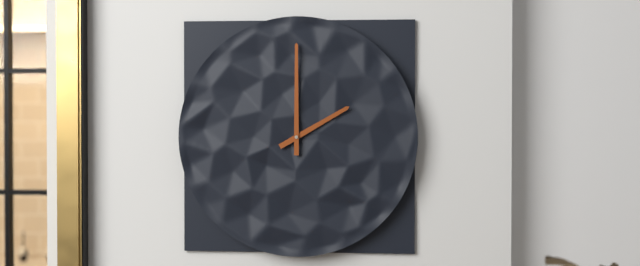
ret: {"hour": 2, "minute": 0}
